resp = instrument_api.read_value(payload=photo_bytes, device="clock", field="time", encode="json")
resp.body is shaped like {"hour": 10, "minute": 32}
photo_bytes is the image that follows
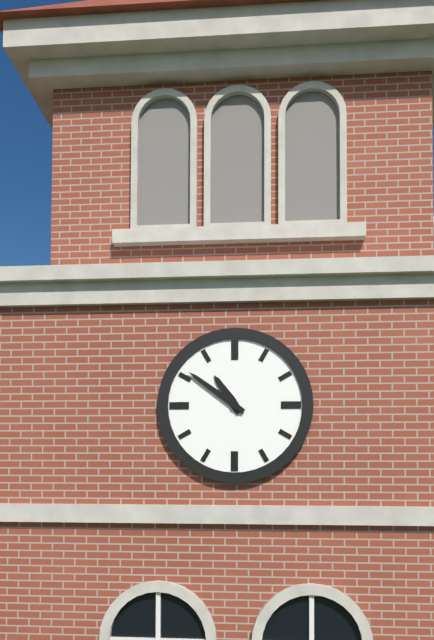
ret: {"hour": 10, "minute": 51}
